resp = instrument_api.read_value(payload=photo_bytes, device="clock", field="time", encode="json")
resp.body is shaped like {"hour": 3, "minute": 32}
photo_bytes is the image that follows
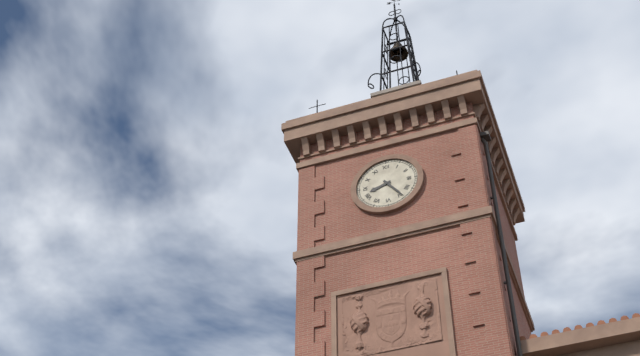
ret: {"hour": 8, "minute": 24}
